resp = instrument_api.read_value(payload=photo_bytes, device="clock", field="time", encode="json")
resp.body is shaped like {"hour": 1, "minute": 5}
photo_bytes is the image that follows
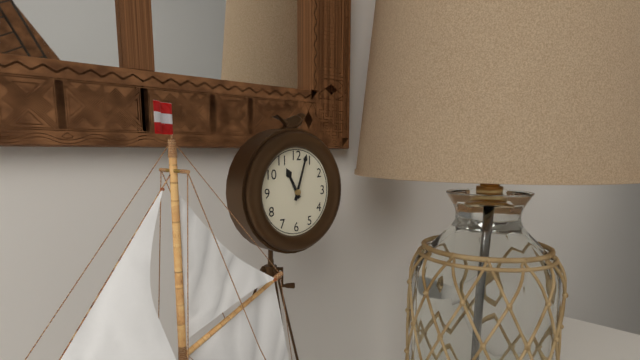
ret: {"hour": 11, "minute": 3}
